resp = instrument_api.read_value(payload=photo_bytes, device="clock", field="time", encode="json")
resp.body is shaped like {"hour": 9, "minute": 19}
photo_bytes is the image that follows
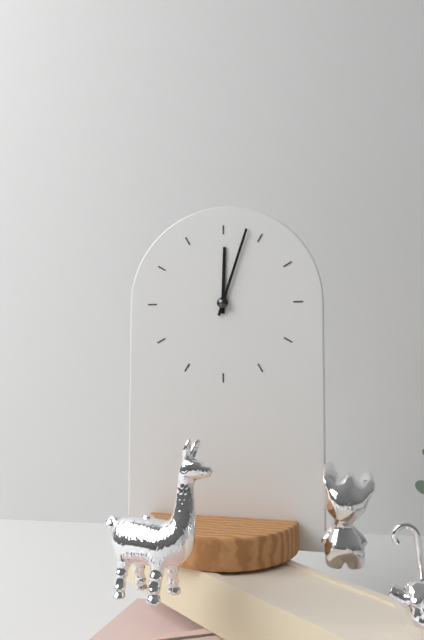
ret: {"hour": 12, "minute": 3}
